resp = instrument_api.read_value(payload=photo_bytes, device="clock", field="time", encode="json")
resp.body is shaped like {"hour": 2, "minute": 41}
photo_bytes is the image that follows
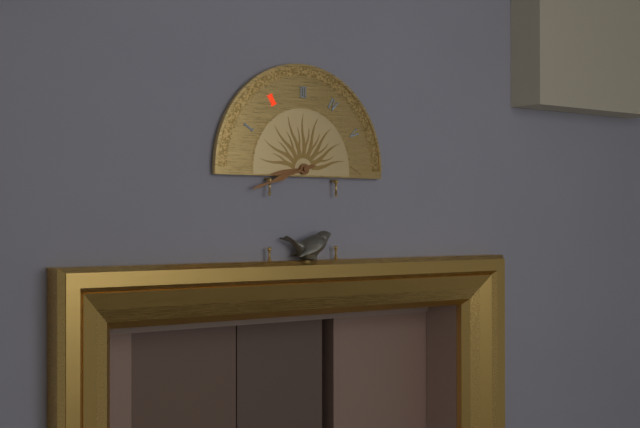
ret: {"hour": 8, "minute": 42}
